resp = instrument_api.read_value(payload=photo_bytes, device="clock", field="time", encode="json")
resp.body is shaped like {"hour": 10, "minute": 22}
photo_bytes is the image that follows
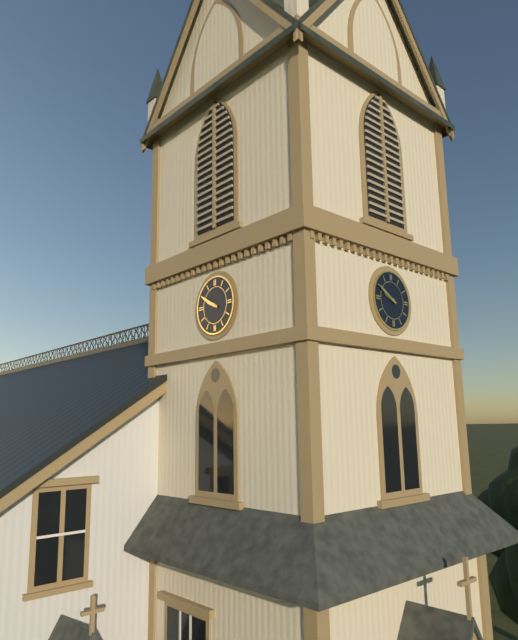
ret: {"hour": 9, "minute": 50}
